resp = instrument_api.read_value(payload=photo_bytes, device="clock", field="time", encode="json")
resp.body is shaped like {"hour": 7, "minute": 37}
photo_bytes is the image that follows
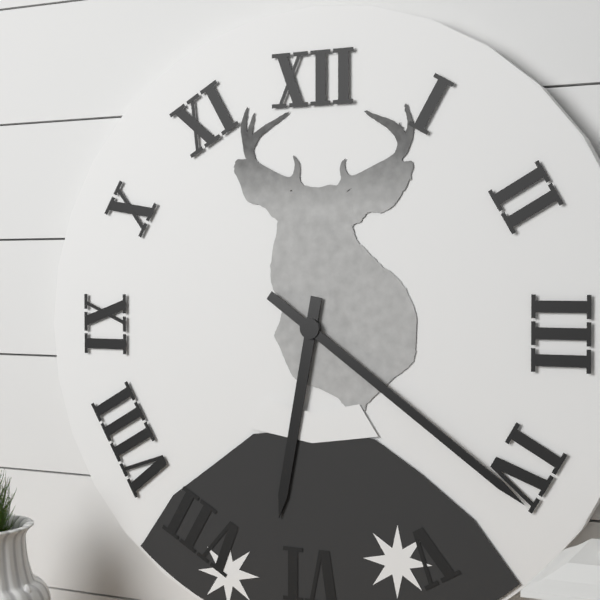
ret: {"hour": 6, "minute": 21}
